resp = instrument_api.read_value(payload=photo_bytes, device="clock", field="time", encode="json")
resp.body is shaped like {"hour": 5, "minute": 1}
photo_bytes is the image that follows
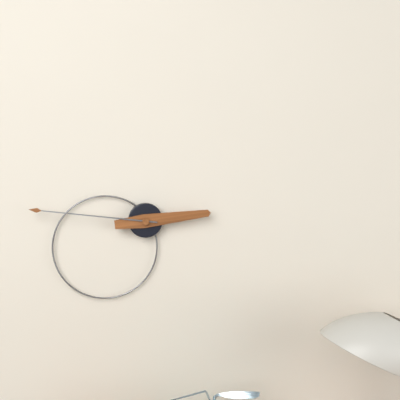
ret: {"hour": 2, "minute": 46}
